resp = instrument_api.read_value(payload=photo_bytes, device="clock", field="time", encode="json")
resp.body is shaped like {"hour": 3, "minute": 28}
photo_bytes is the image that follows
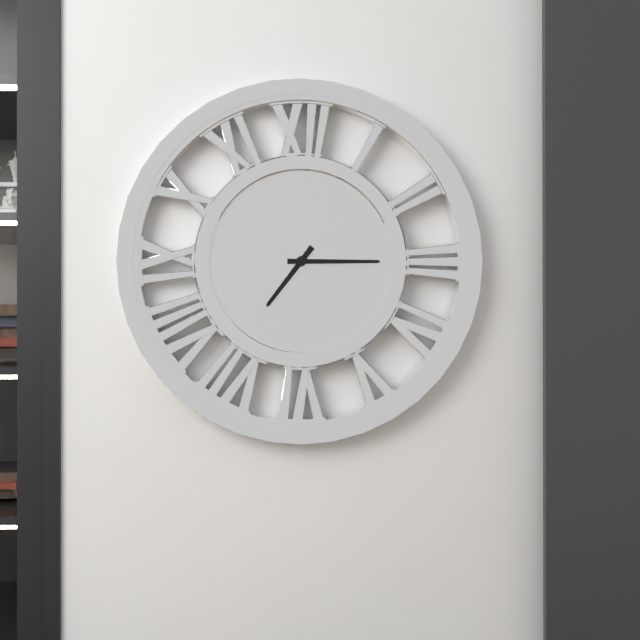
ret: {"hour": 7, "minute": 15}
